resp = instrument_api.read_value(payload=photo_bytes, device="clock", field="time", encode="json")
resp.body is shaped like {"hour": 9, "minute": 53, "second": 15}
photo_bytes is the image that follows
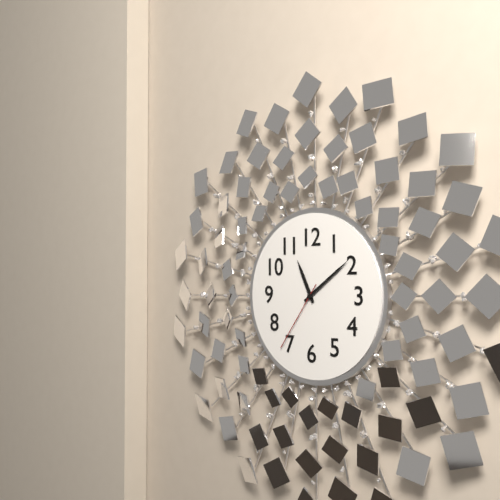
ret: {"hour": 11, "minute": 9, "second": 36}
